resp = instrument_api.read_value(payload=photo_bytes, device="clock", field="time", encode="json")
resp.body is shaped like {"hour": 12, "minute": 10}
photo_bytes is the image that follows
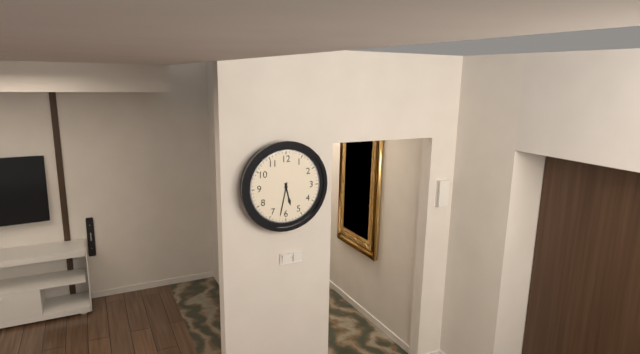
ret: {"hour": 5, "minute": 32}
